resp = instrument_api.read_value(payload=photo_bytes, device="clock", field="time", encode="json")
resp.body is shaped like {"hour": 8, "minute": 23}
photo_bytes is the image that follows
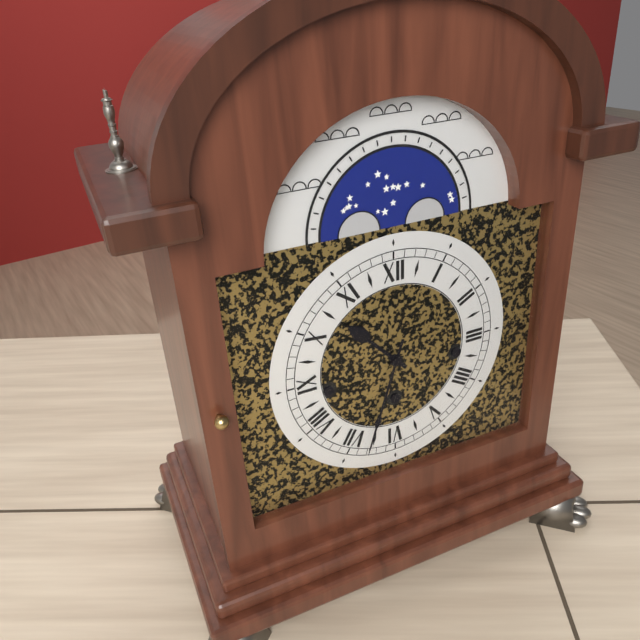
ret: {"hour": 10, "minute": 33}
